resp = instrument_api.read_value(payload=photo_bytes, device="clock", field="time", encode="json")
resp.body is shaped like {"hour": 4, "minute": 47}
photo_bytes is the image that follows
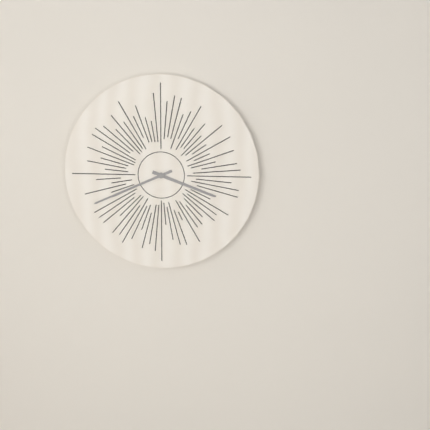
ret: {"hour": 3, "minute": 41}
